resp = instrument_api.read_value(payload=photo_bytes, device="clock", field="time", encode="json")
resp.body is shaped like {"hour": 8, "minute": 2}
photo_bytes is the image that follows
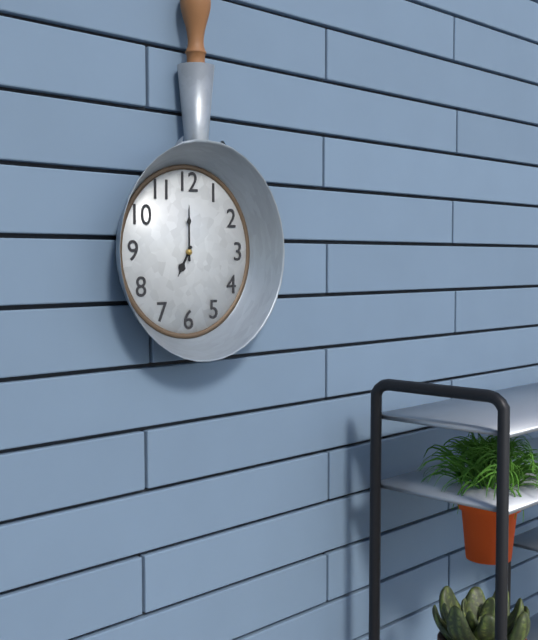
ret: {"hour": 7, "minute": 0}
